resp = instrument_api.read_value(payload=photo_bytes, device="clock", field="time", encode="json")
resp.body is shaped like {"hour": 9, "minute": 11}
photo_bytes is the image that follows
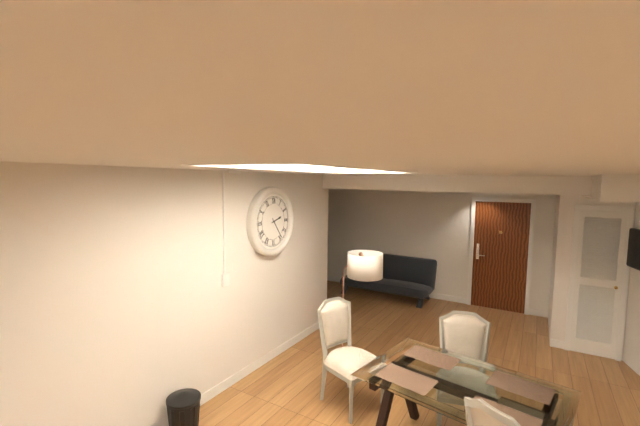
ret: {"hour": 2, "minute": 24}
